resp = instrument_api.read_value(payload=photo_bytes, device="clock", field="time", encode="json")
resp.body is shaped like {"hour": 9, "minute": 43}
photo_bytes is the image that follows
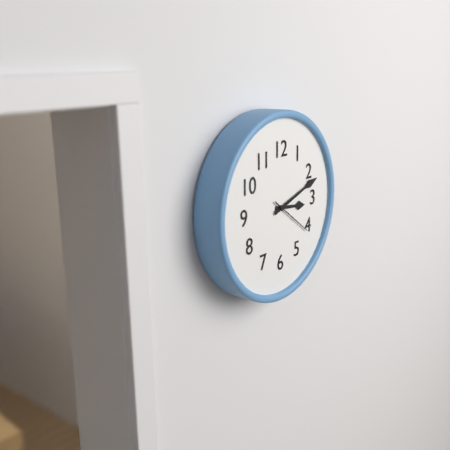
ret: {"hour": 3, "minute": 12}
